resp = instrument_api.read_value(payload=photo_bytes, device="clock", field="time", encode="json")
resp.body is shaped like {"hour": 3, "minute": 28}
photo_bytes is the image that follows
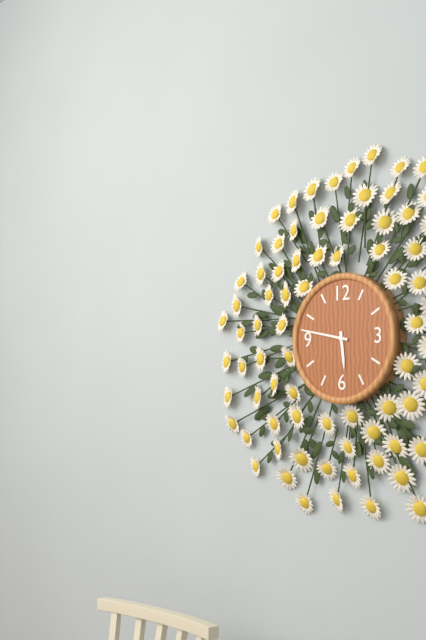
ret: {"hour": 5, "minute": 47}
